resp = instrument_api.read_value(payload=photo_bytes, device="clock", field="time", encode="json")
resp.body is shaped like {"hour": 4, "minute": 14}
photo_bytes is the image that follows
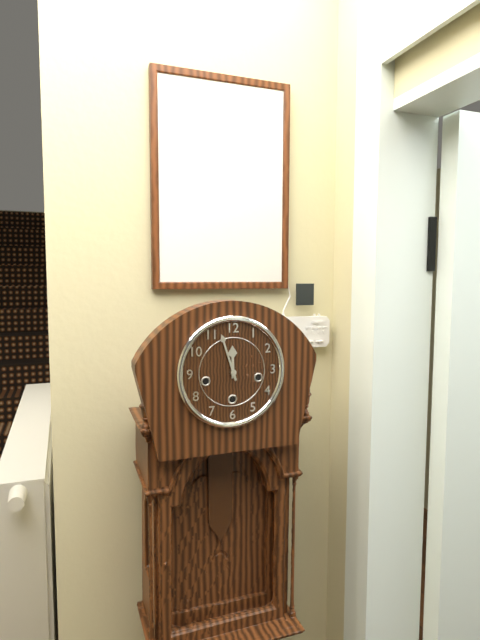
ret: {"hour": 11, "minute": 57}
